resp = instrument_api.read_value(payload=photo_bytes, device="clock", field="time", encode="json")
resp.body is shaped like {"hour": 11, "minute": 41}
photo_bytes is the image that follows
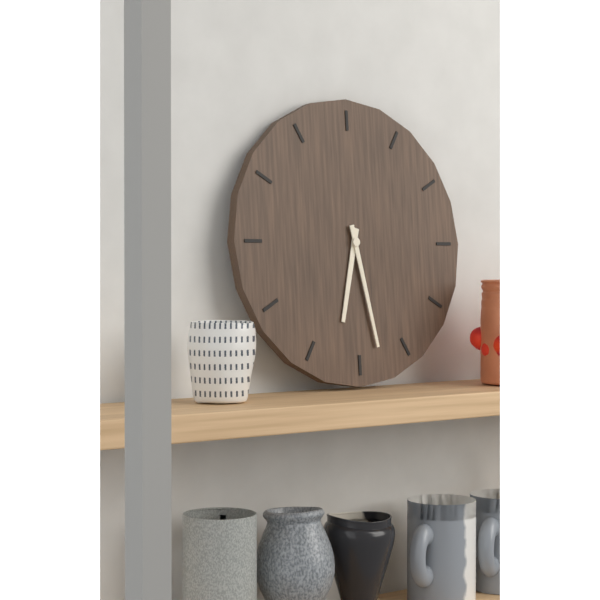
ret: {"hour": 6, "minute": 28}
